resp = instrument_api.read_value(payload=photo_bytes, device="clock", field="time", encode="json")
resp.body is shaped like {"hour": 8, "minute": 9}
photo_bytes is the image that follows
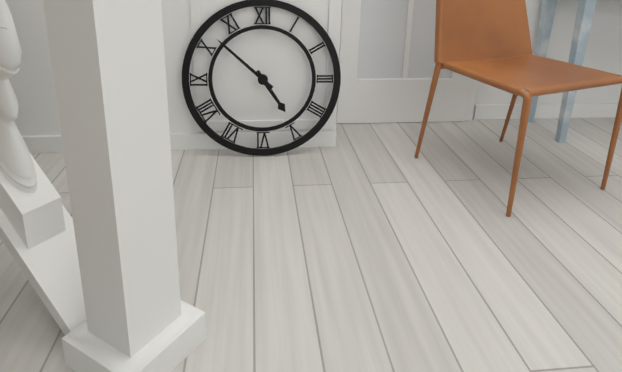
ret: {"hour": 4, "minute": 52}
